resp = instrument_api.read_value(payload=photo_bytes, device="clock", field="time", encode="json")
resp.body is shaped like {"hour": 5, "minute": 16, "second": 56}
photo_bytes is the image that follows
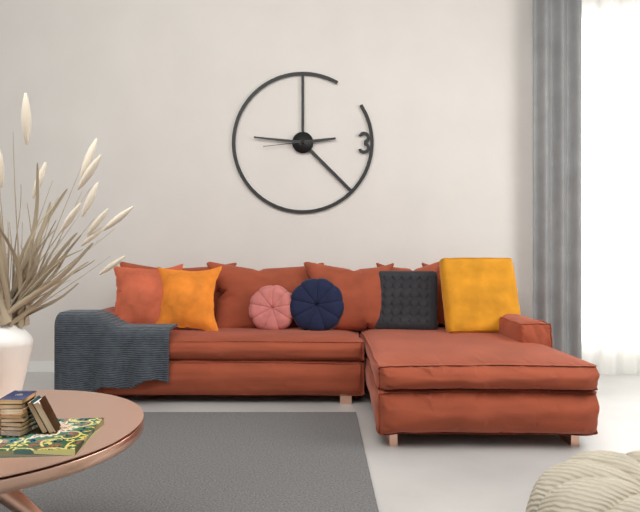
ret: {"hour": 2, "minute": 46, "second": 44}
